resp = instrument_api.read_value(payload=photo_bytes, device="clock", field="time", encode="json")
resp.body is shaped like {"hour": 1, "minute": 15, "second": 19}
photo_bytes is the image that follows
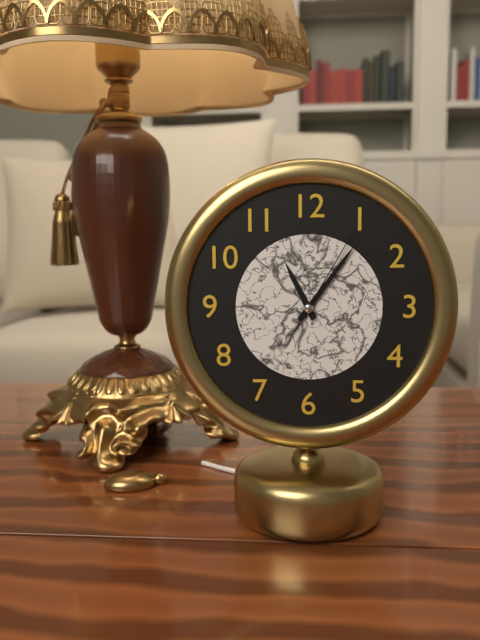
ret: {"hour": 11, "minute": 6, "second": 5}
